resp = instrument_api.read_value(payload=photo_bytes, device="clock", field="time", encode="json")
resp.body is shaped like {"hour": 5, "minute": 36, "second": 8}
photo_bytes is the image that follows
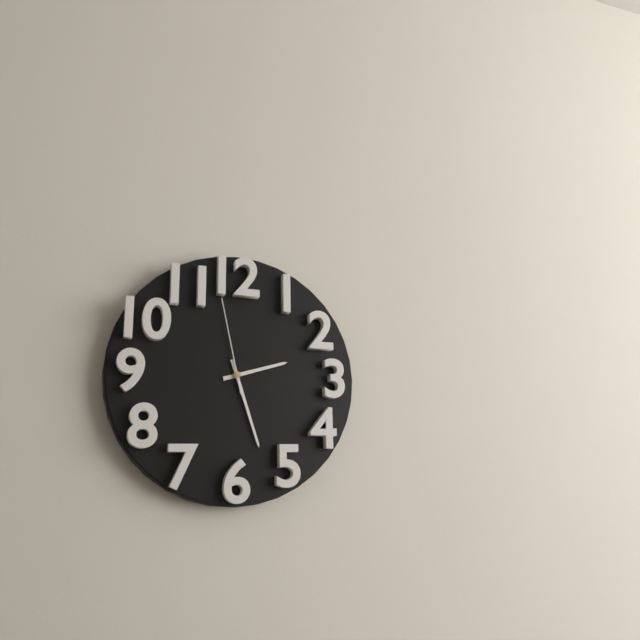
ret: {"hour": 2, "minute": 27, "second": 58}
